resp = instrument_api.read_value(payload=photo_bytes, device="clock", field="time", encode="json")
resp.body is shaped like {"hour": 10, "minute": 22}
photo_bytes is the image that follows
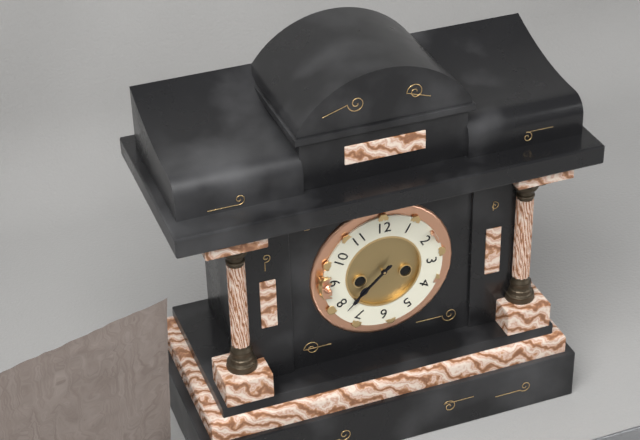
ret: {"hour": 7, "minute": 38}
